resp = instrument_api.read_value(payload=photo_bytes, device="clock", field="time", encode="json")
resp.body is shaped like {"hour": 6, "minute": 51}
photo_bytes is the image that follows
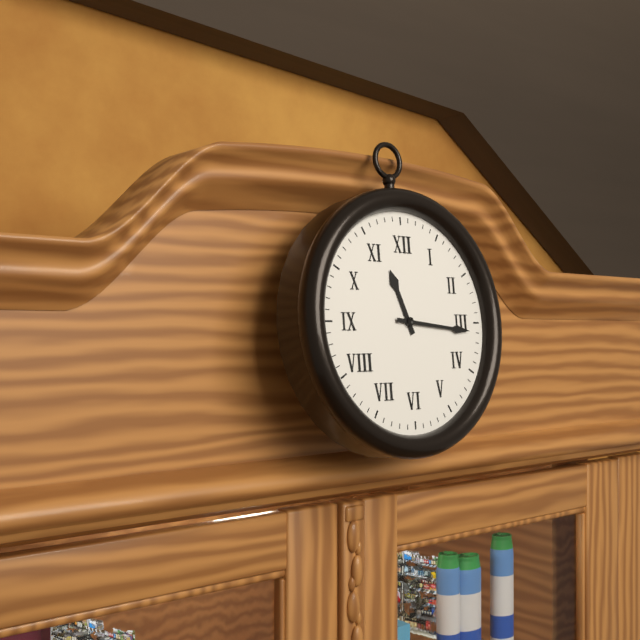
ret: {"hour": 11, "minute": 16}
